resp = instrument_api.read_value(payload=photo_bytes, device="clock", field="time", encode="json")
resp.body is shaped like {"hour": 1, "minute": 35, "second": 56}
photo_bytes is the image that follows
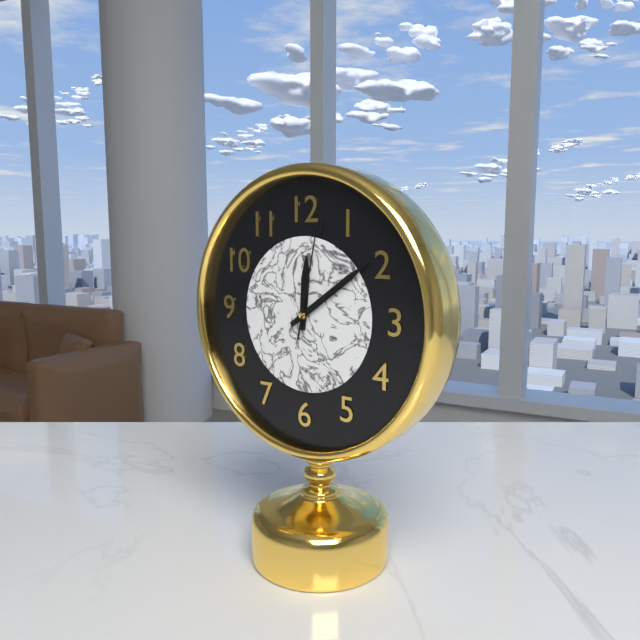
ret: {"hour": 12, "minute": 9, "second": 2}
